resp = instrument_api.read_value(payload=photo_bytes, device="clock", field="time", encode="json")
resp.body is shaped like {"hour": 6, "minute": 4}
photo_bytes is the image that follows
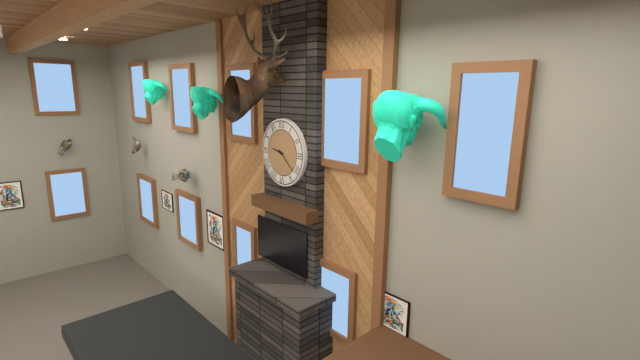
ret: {"hour": 9, "minute": 22}
